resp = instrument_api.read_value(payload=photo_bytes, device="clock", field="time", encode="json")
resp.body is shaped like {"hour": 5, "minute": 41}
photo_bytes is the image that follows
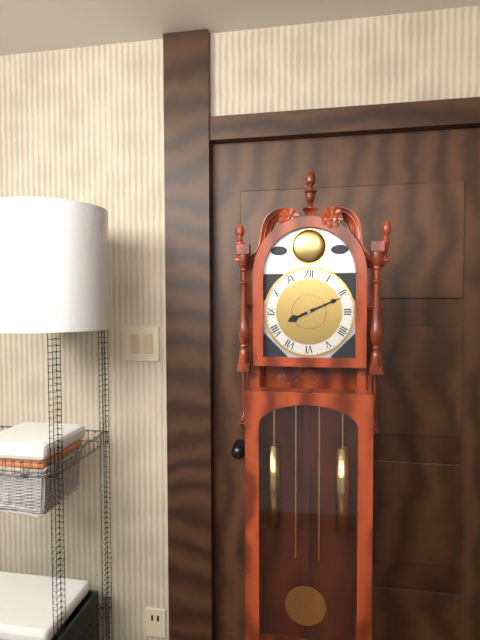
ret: {"hour": 8, "minute": 11}
